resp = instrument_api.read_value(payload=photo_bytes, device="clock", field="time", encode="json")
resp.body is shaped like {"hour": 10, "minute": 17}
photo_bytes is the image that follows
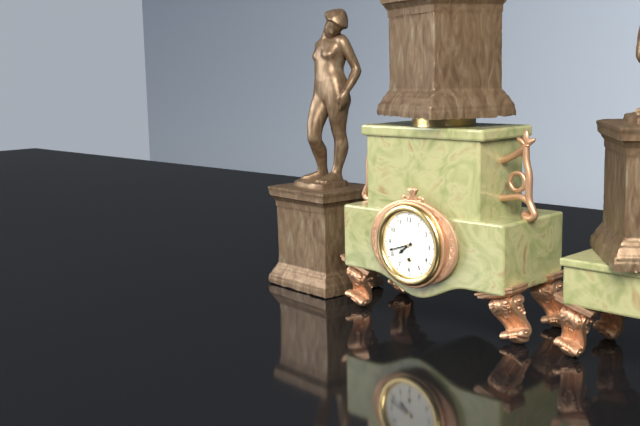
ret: {"hour": 7, "minute": 42}
